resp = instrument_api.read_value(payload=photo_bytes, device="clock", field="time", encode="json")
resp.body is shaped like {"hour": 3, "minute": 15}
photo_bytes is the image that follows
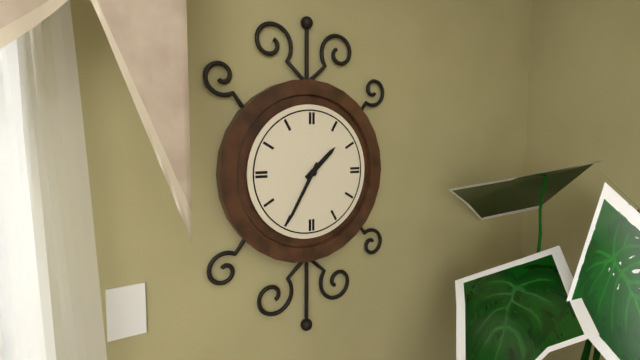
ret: {"hour": 1, "minute": 35}
